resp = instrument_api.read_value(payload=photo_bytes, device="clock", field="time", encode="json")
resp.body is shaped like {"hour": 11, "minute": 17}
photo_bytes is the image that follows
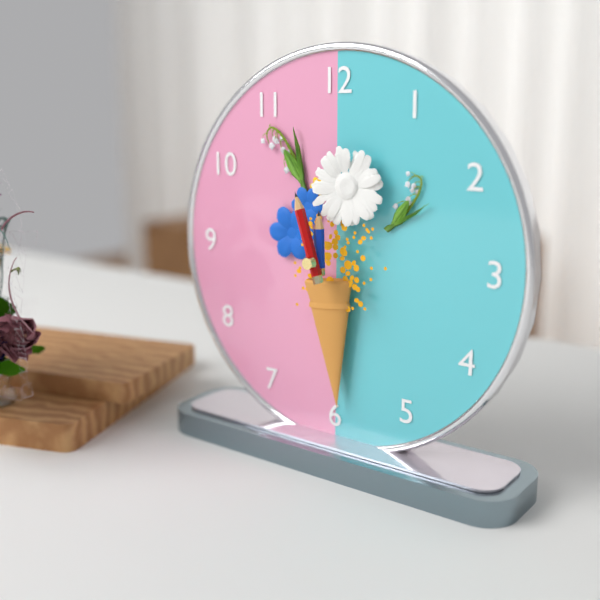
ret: {"hour": 11, "minute": 57}
